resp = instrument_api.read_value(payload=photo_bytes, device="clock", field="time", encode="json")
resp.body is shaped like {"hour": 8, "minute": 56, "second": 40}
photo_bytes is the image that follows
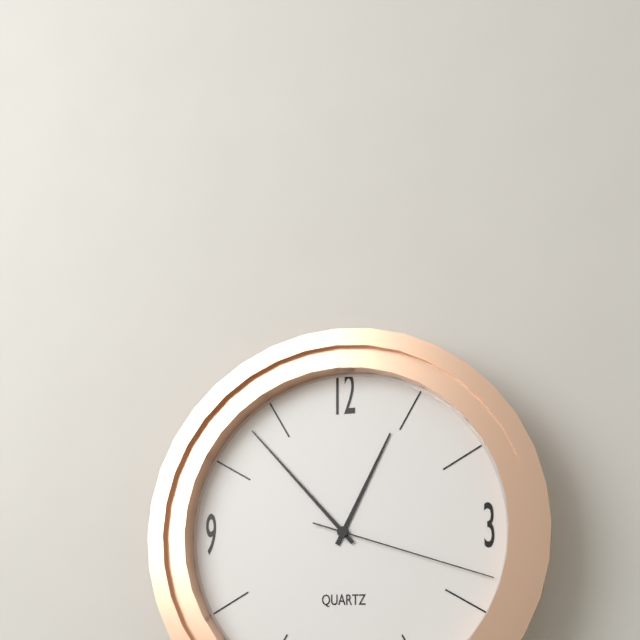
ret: {"hour": 12, "minute": 53, "second": 18}
